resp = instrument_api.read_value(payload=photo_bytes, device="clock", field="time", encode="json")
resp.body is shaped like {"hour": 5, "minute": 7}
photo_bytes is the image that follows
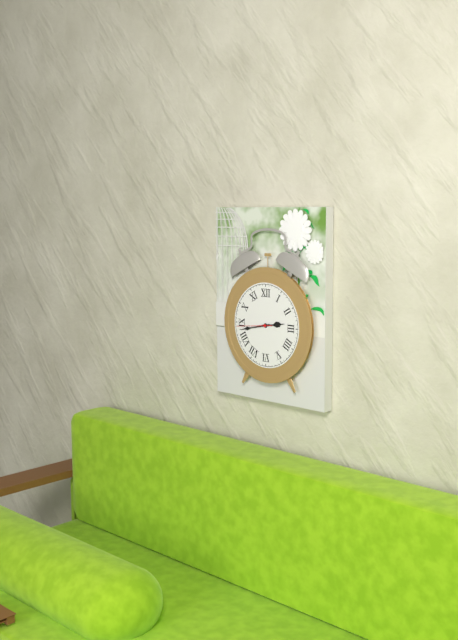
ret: {"hour": 2, "minute": 43}
